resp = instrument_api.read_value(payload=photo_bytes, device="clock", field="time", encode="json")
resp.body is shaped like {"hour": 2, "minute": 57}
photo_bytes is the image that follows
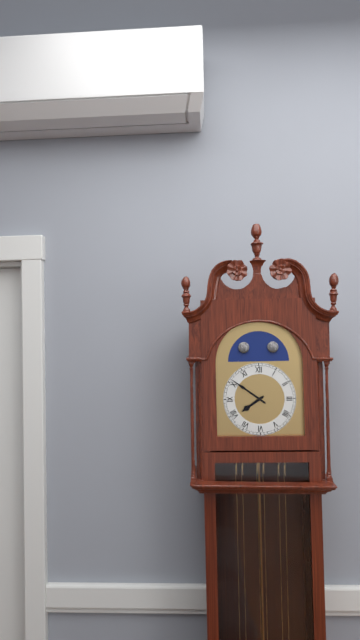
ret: {"hour": 7, "minute": 51}
